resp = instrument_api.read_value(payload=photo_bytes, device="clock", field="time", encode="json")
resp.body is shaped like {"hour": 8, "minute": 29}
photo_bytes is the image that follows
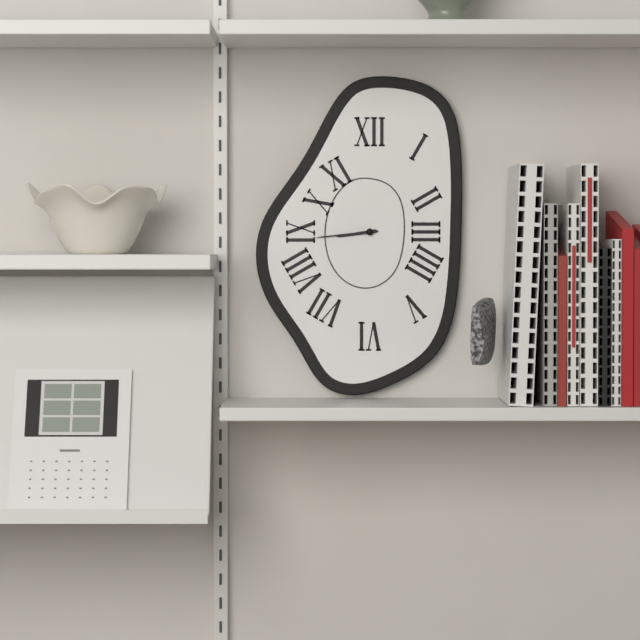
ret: {"hour": 8, "minute": 44}
